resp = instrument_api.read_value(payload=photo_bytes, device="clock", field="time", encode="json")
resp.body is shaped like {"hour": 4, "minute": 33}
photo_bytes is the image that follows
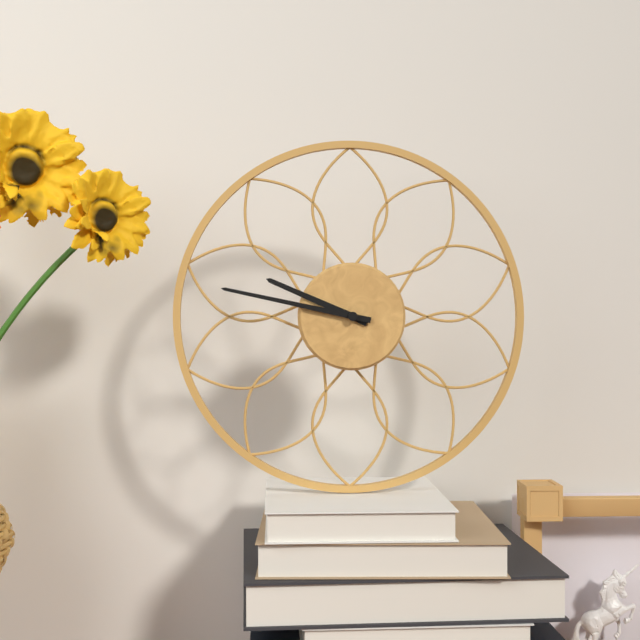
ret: {"hour": 9, "minute": 47}
